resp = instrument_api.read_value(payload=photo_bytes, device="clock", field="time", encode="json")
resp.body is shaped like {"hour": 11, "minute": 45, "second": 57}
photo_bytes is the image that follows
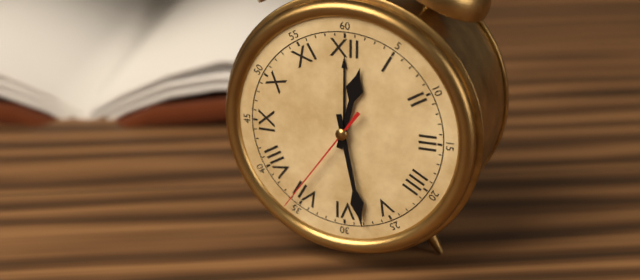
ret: {"hour": 12, "minute": 28, "second": 36}
